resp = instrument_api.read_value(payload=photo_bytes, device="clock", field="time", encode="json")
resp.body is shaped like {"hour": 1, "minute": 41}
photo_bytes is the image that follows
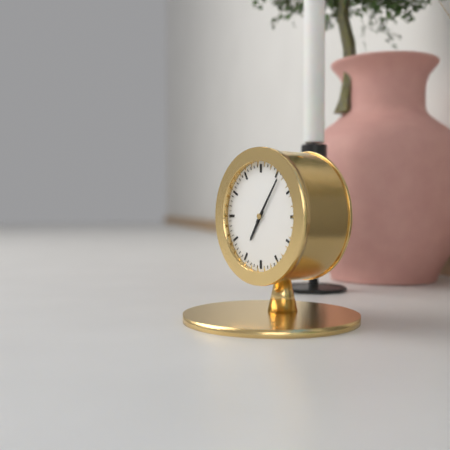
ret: {"hour": 7, "minute": 6}
